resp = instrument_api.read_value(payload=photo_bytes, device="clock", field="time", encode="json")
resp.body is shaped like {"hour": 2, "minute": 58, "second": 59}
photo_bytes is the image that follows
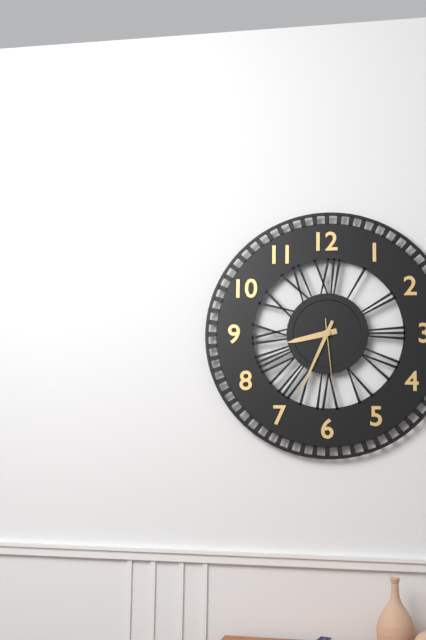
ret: {"hour": 8, "minute": 34, "second": 29}
